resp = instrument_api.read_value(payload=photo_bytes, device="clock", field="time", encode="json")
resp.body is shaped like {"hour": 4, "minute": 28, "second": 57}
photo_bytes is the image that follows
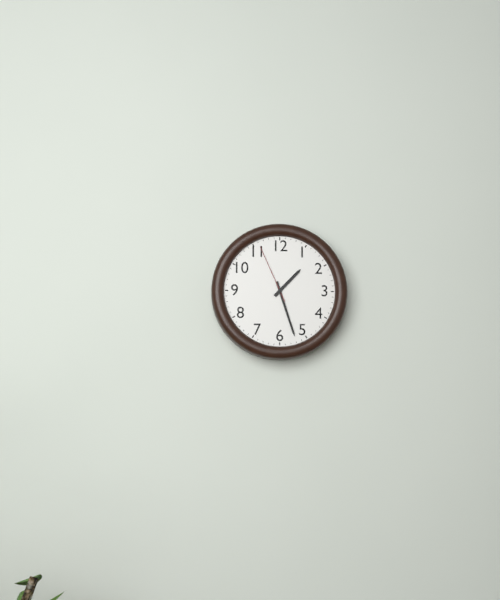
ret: {"hour": 1, "minute": 27, "second": 56}
